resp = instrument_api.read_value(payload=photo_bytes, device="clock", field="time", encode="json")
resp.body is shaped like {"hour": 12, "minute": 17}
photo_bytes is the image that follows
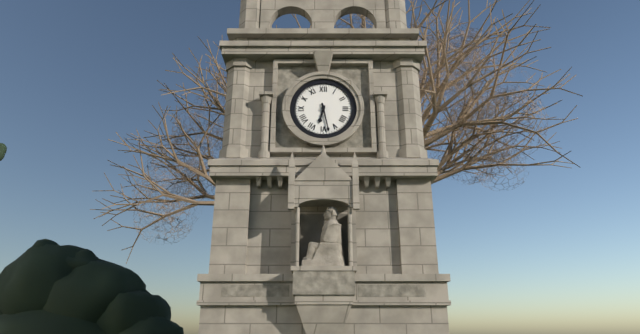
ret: {"hour": 6, "minute": 28}
